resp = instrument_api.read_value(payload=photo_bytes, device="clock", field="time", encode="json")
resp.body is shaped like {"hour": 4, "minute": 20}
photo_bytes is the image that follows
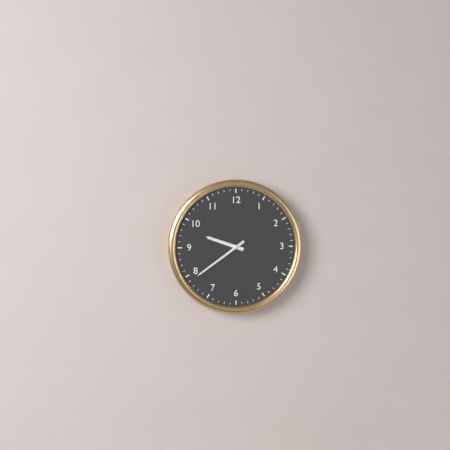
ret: {"hour": 9, "minute": 39}
